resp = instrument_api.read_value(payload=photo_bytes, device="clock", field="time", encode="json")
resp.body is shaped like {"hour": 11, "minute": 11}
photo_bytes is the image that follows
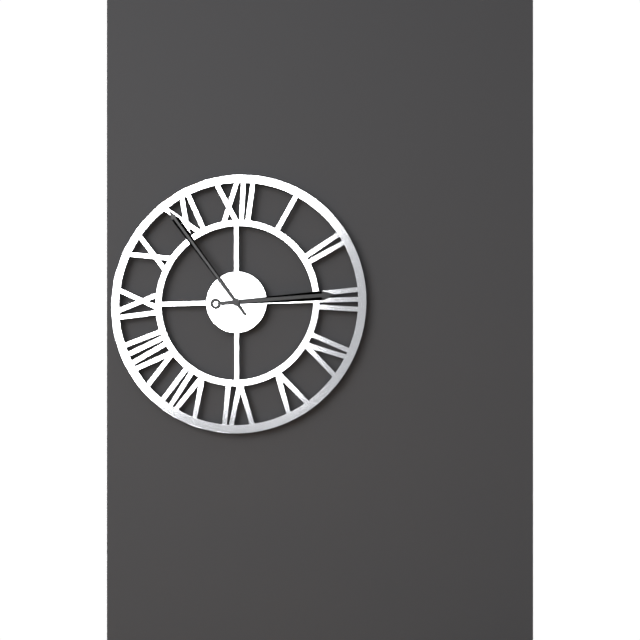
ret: {"hour": 2, "minute": 54}
